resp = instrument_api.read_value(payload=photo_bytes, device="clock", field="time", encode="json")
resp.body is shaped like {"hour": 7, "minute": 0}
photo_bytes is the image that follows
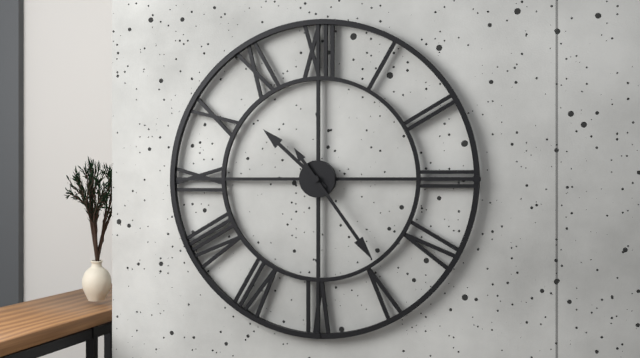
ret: {"hour": 10, "minute": 24}
